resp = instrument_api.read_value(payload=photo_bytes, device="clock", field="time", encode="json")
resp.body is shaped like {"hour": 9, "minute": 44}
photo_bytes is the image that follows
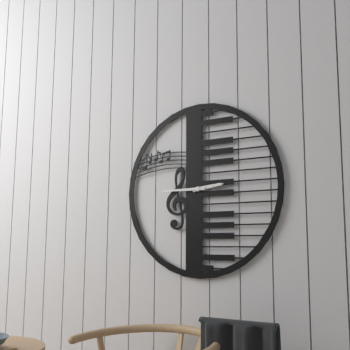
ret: {"hour": 2, "minute": 45}
